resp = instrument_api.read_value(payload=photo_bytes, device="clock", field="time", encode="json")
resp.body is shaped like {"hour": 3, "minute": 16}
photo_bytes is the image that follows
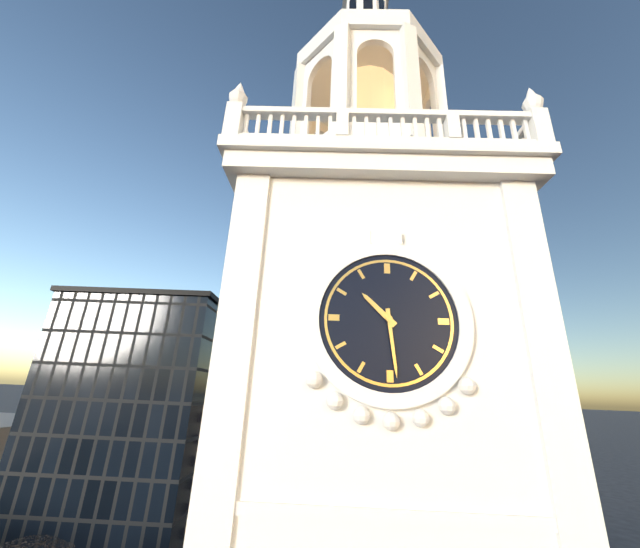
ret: {"hour": 10, "minute": 29}
